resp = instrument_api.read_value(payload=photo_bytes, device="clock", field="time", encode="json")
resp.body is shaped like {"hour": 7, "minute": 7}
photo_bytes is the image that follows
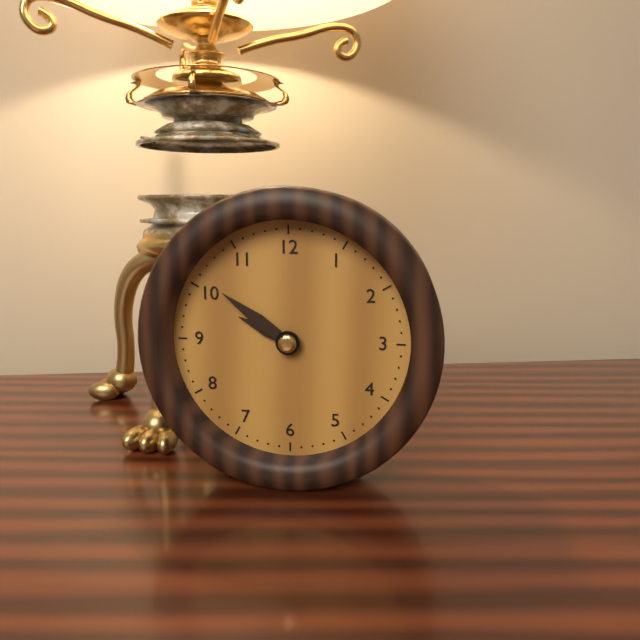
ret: {"hour": 9, "minute": 51}
